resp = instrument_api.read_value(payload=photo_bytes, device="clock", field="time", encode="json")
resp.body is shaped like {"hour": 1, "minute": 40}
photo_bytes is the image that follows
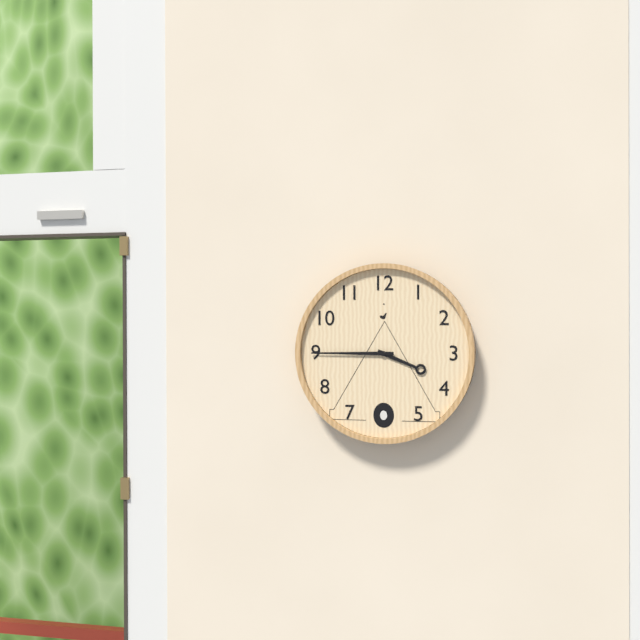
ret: {"hour": 3, "minute": 45}
